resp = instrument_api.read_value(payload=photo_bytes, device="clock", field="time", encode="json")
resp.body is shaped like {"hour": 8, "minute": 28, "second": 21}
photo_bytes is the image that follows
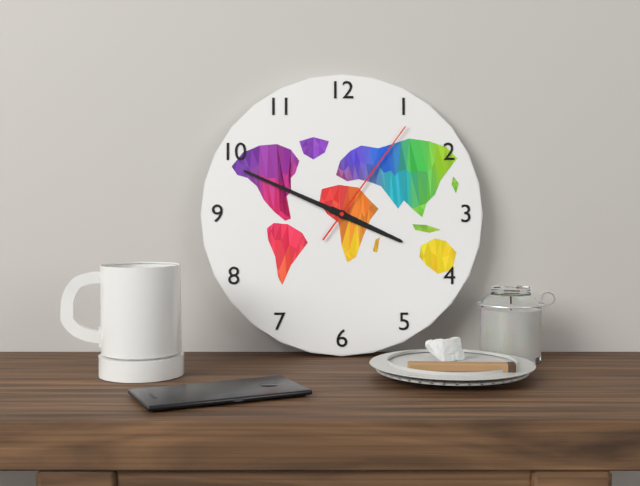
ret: {"hour": 3, "minute": 49, "second": 6}
